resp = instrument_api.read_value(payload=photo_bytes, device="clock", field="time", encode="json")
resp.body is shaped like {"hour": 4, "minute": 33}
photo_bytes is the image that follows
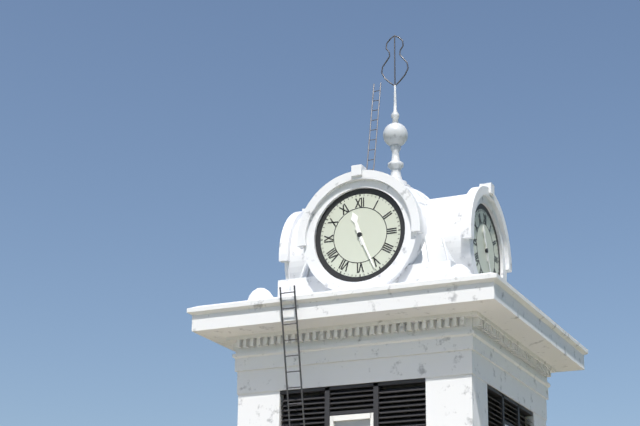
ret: {"hour": 11, "minute": 26}
